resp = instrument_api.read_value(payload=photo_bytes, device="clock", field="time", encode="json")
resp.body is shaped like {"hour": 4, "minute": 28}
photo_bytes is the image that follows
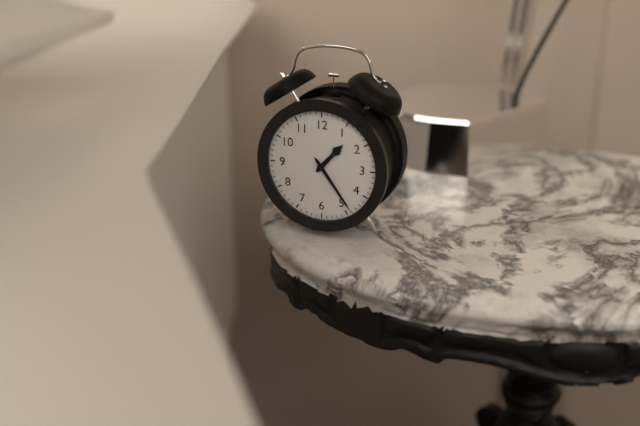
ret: {"hour": 1, "minute": 24}
